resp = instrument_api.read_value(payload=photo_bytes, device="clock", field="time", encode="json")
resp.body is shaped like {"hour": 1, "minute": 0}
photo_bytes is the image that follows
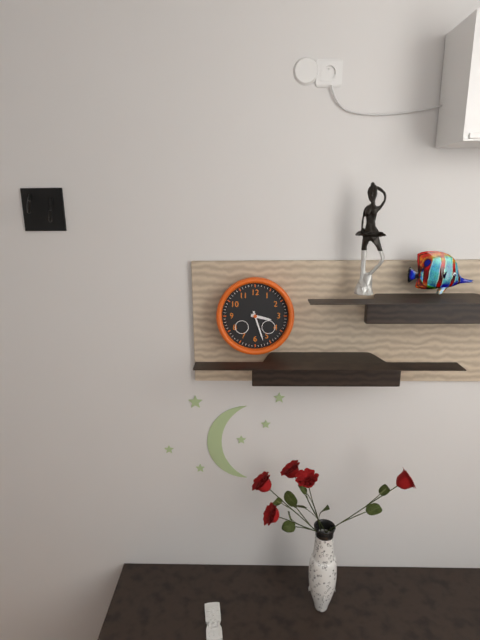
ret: {"hour": 3, "minute": 27}
